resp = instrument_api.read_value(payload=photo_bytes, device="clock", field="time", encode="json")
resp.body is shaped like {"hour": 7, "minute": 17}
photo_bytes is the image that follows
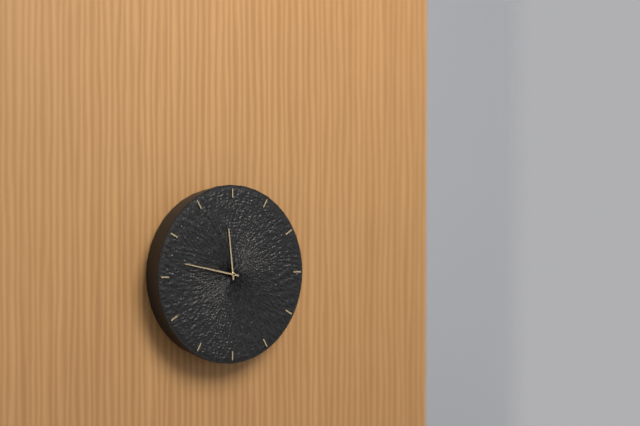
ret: {"hour": 11, "minute": 47}
